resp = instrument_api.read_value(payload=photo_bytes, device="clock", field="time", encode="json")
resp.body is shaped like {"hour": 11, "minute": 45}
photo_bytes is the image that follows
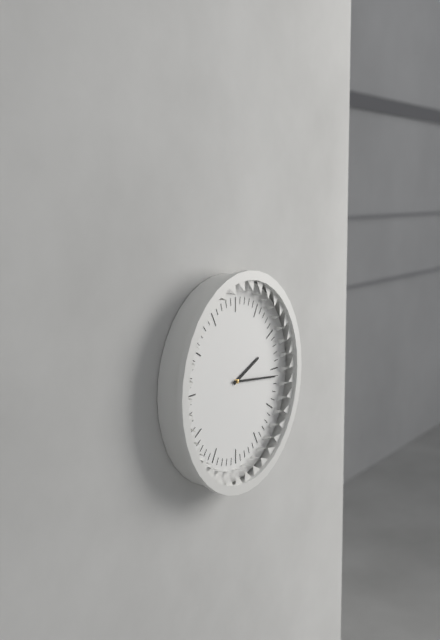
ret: {"hour": 2, "minute": 16}
